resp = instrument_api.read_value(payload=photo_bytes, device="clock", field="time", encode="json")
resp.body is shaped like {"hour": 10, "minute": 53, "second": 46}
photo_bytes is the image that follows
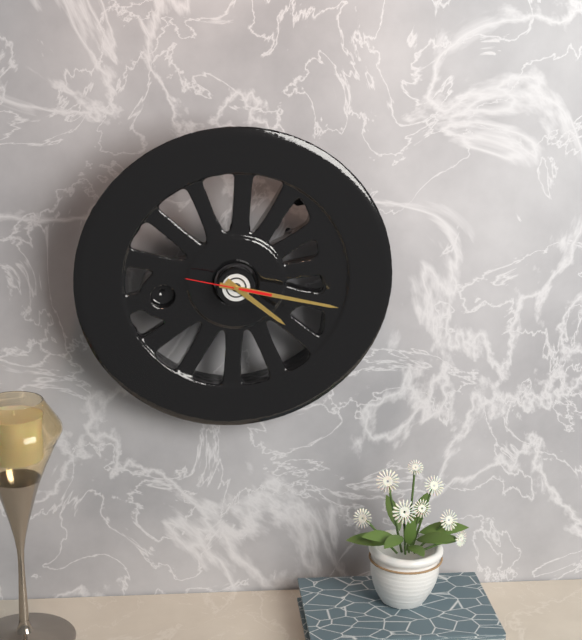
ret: {"hour": 4, "minute": 17, "second": 47}
